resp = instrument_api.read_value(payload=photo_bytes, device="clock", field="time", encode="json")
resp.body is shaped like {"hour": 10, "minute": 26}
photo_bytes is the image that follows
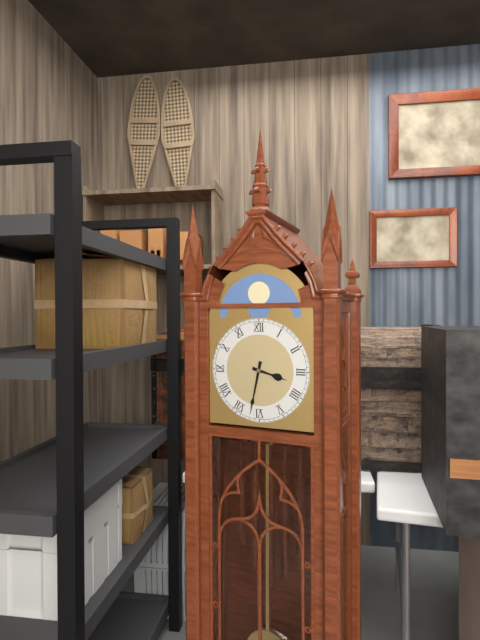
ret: {"hour": 3, "minute": 32}
